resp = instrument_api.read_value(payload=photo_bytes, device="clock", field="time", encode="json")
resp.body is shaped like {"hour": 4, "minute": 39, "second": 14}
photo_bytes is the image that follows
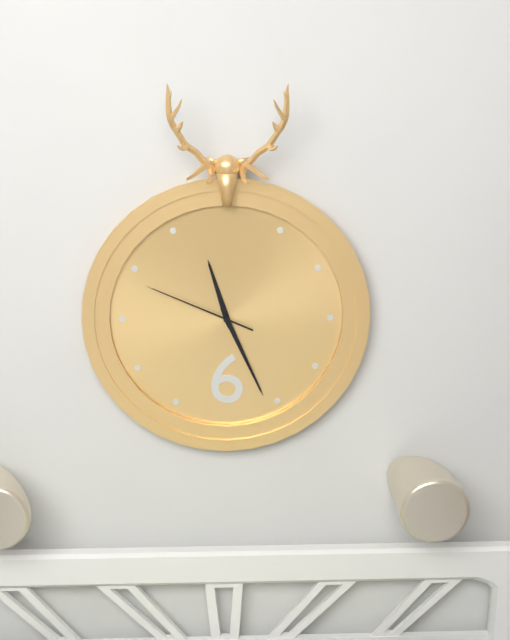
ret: {"hour": 11, "minute": 26, "second": 49}
